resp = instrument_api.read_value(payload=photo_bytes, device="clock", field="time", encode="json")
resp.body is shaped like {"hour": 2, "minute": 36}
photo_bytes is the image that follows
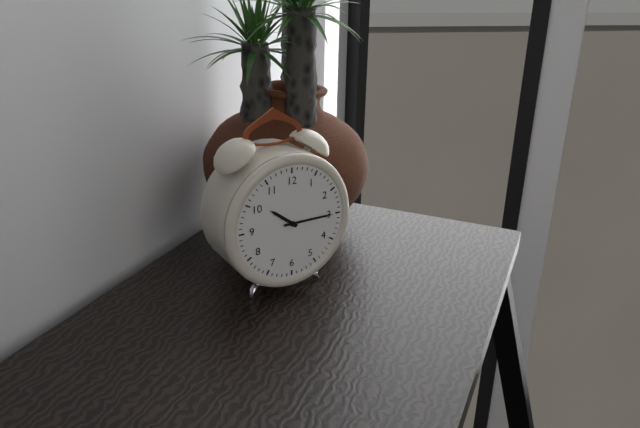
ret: {"hour": 10, "minute": 15}
